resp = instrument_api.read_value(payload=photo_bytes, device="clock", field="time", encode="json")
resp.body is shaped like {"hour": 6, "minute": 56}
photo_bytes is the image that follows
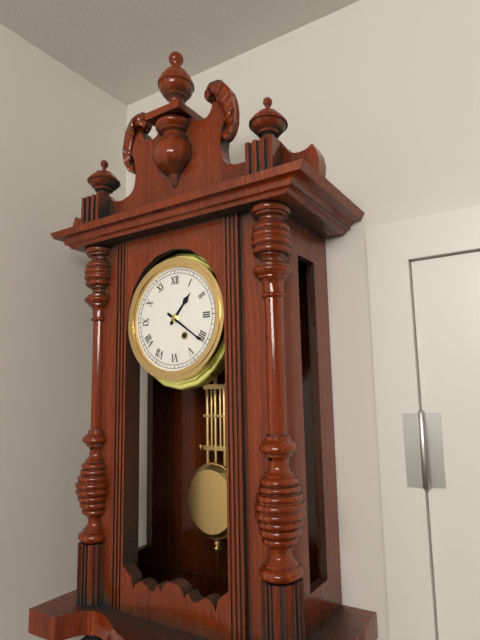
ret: {"hour": 1, "minute": 21}
